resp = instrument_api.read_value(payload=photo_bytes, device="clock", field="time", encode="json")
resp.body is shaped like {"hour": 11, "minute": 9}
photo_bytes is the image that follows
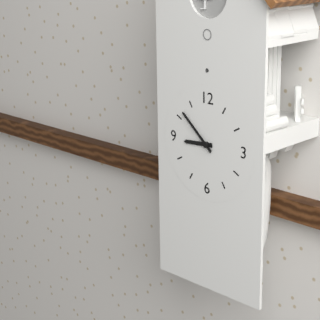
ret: {"hour": 8, "minute": 52}
